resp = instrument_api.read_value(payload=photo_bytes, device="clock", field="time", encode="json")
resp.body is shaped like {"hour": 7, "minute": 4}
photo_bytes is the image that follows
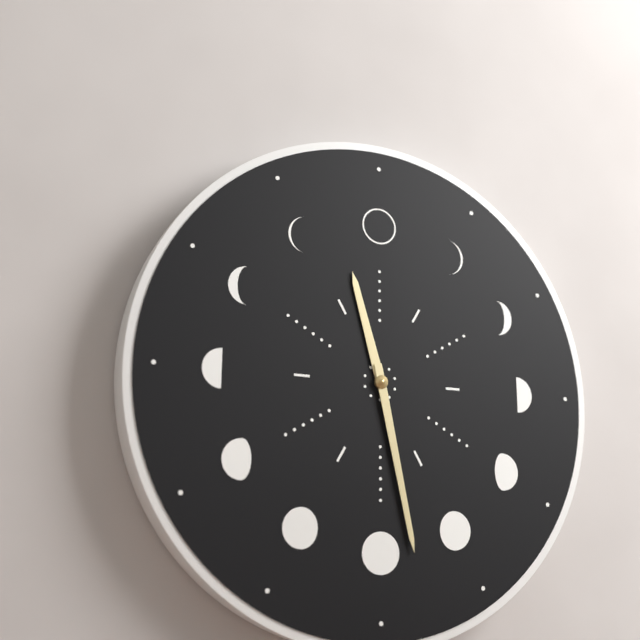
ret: {"hour": 11, "minute": 28}
